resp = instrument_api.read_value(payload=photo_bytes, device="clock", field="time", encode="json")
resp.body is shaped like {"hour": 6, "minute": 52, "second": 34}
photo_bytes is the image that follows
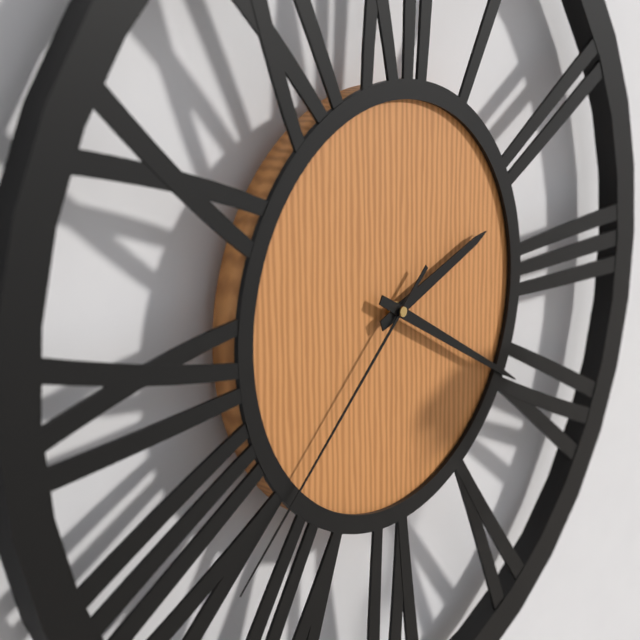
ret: {"hour": 2, "minute": 20, "second": 38}
